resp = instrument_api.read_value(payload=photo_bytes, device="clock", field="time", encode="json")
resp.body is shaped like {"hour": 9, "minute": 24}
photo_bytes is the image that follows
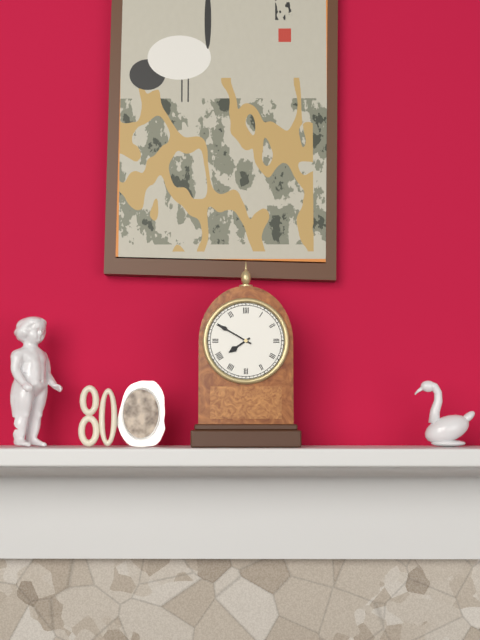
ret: {"hour": 7, "minute": 50}
